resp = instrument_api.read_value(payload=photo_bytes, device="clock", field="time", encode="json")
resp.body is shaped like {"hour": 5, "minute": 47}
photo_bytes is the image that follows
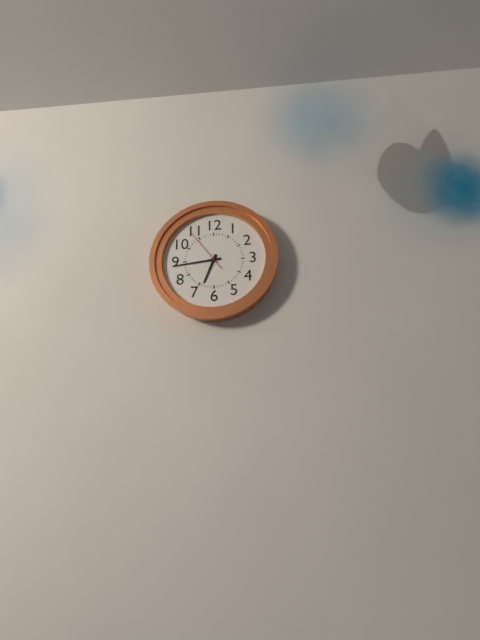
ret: {"hour": 6, "minute": 44}
